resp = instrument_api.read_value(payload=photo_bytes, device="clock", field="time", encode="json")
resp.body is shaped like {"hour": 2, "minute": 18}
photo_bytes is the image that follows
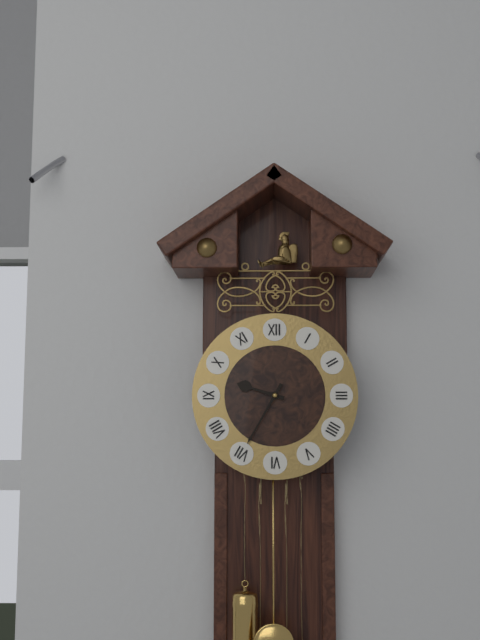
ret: {"hour": 9, "minute": 35}
